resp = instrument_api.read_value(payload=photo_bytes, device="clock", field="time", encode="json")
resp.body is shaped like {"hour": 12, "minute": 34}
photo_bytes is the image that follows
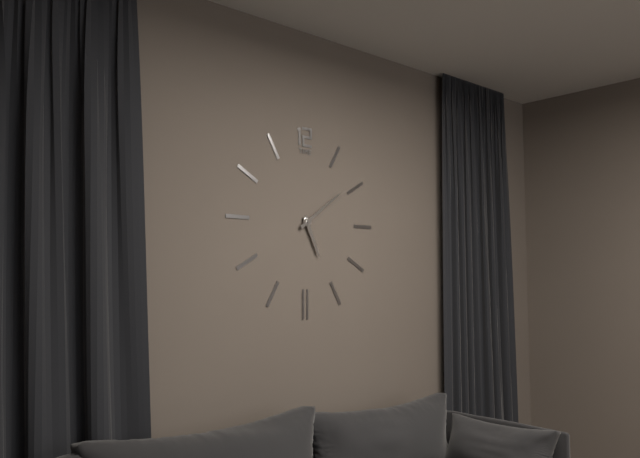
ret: {"hour": 5, "minute": 9}
